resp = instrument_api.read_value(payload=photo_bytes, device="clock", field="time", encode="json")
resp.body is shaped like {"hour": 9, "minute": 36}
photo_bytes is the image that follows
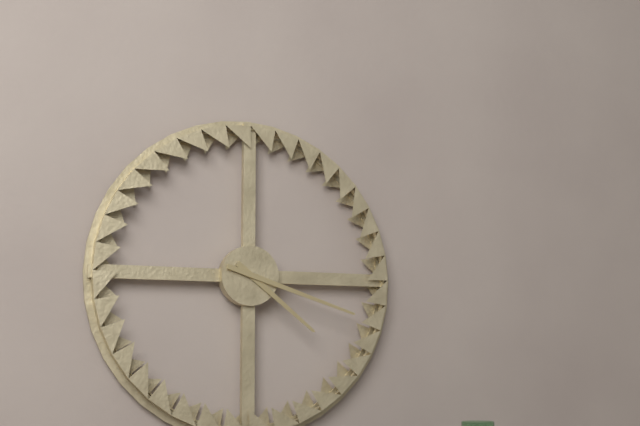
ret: {"hour": 4, "minute": 18}
